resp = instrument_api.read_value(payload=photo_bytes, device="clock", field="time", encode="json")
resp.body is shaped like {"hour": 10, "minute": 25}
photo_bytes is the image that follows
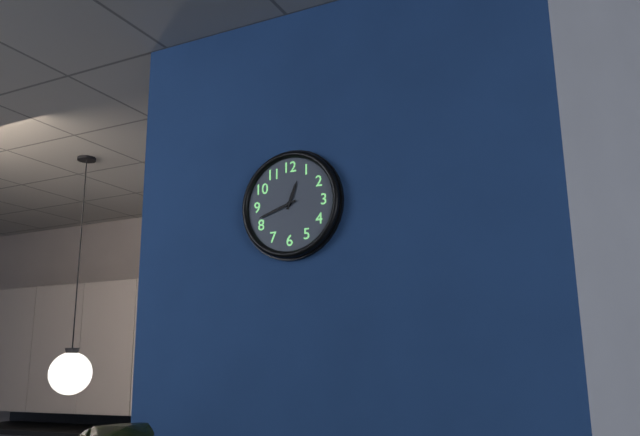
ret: {"hour": 12, "minute": 42}
